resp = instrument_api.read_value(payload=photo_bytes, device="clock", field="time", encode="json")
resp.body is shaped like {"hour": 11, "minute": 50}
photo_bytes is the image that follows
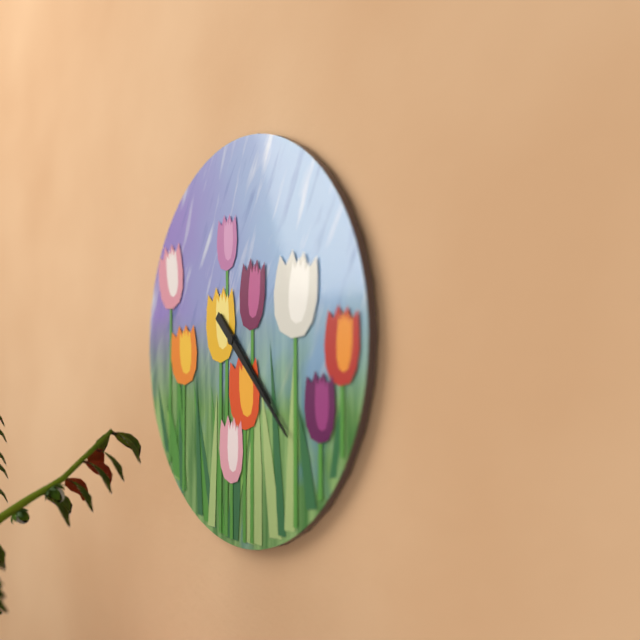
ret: {"hour": 4, "minute": 22}
